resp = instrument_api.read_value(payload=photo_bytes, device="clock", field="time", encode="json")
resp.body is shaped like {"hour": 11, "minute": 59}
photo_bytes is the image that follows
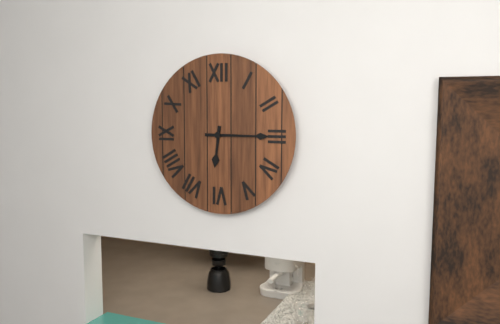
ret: {"hour": 6, "minute": 15}
